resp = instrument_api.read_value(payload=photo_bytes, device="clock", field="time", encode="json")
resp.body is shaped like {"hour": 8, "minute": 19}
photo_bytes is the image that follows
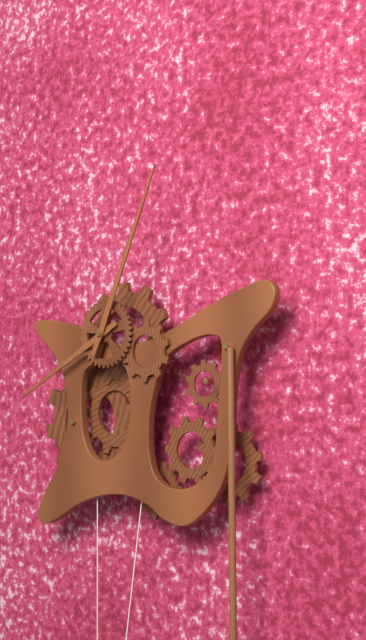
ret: {"hour": 8, "minute": 4}
